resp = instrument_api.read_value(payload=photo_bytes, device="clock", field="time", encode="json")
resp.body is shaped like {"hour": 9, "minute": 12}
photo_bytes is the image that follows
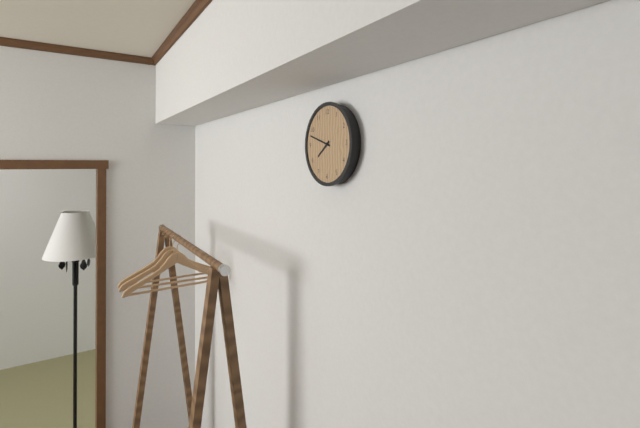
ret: {"hour": 7, "minute": 48}
